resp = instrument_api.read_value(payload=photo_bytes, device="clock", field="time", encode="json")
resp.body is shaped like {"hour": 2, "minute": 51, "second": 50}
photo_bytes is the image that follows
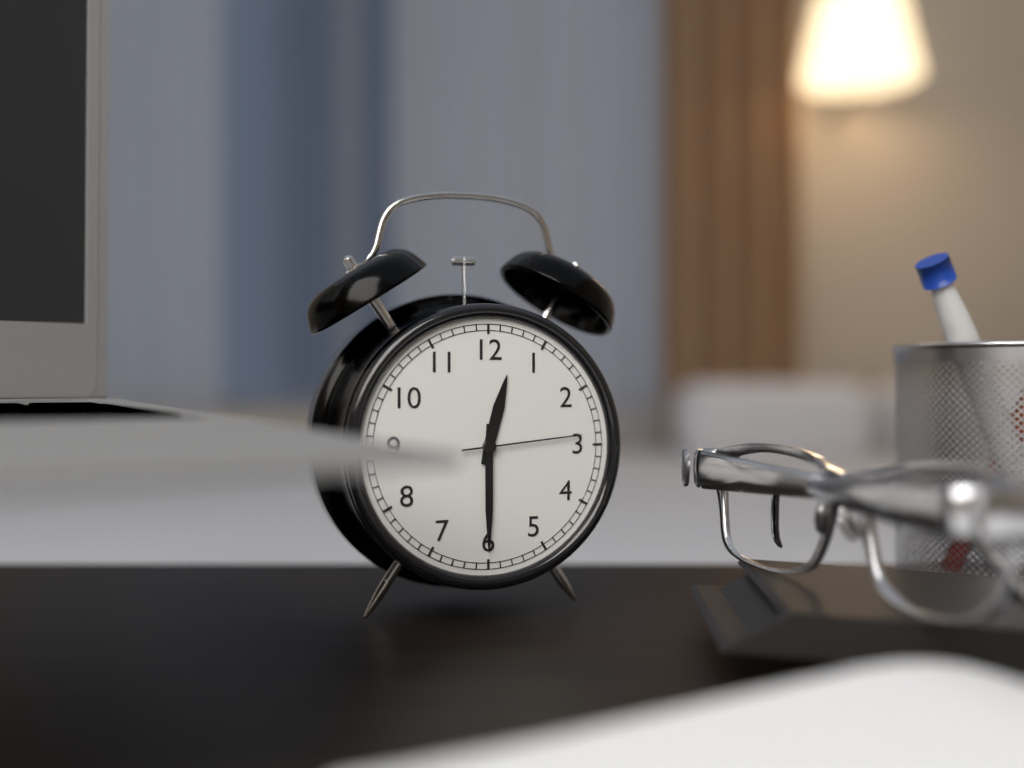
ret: {"hour": 12, "minute": 30, "second": 14}
